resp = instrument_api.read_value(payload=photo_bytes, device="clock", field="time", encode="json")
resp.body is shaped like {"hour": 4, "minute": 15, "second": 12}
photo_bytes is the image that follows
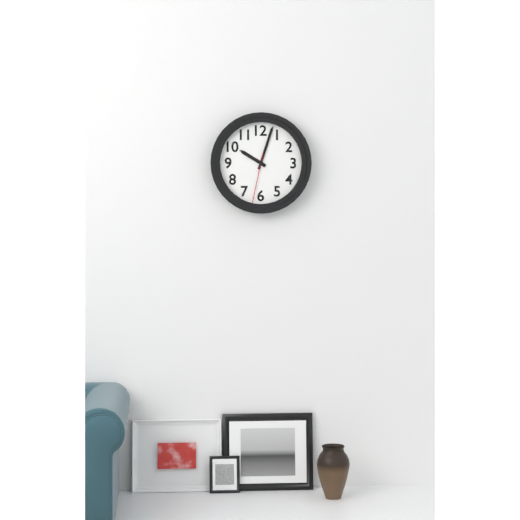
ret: {"hour": 10, "minute": 3, "second": 32}
